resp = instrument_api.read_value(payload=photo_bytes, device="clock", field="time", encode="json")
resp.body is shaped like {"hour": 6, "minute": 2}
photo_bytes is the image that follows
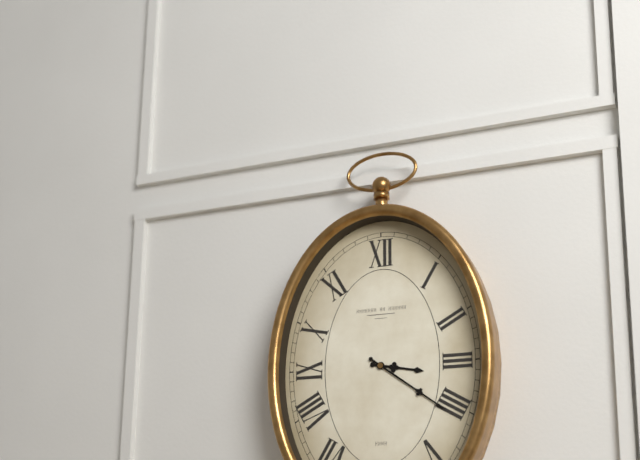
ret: {"hour": 3, "minute": 21}
